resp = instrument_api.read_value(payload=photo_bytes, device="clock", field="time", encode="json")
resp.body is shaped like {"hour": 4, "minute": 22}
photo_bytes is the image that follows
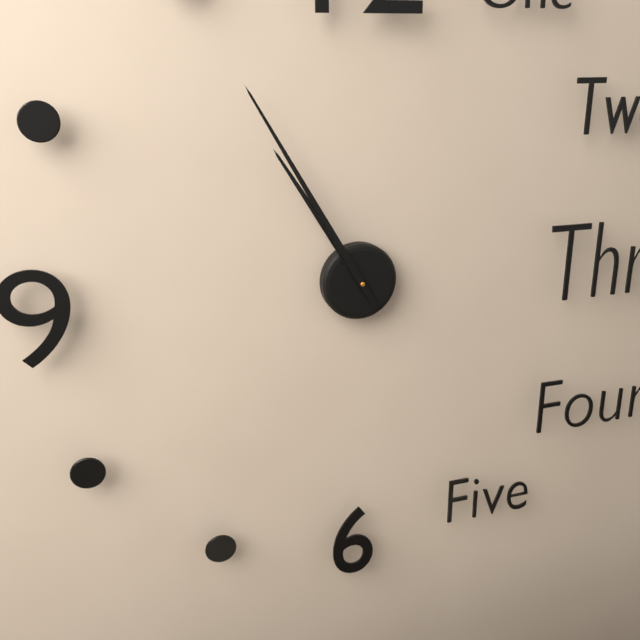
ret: {"hour": 10, "minute": 55}
